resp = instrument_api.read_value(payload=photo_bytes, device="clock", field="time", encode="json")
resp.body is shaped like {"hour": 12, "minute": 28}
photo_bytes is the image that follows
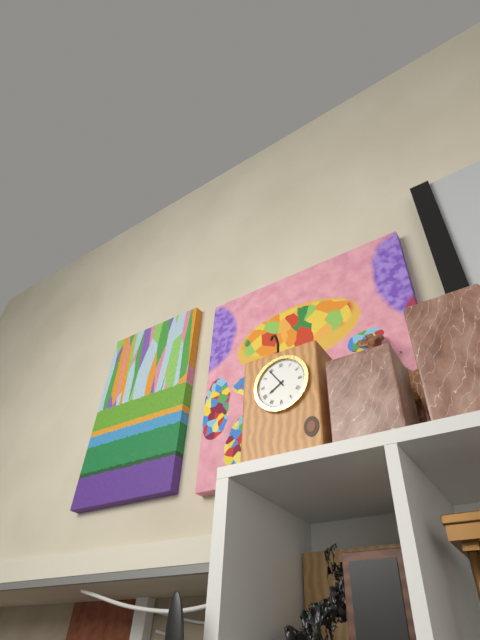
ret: {"hour": 7, "minute": 54}
